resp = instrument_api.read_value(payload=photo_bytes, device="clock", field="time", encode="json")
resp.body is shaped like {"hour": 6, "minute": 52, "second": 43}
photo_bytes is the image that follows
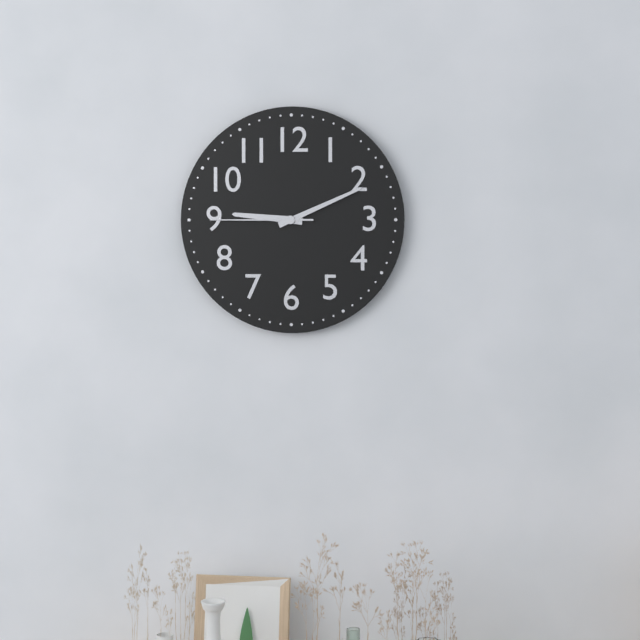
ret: {"hour": 9, "minute": 11, "second": 45}
